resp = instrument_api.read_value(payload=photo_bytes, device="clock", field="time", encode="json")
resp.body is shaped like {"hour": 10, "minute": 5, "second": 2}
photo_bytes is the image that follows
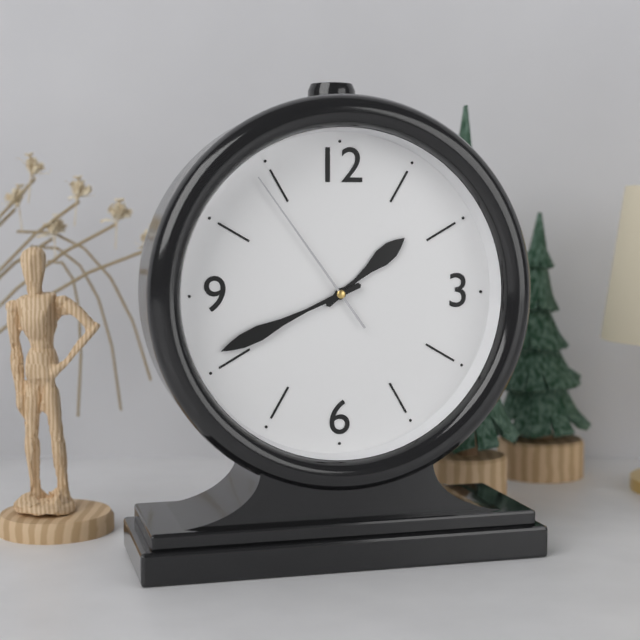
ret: {"hour": 1, "minute": 41, "second": 54}
